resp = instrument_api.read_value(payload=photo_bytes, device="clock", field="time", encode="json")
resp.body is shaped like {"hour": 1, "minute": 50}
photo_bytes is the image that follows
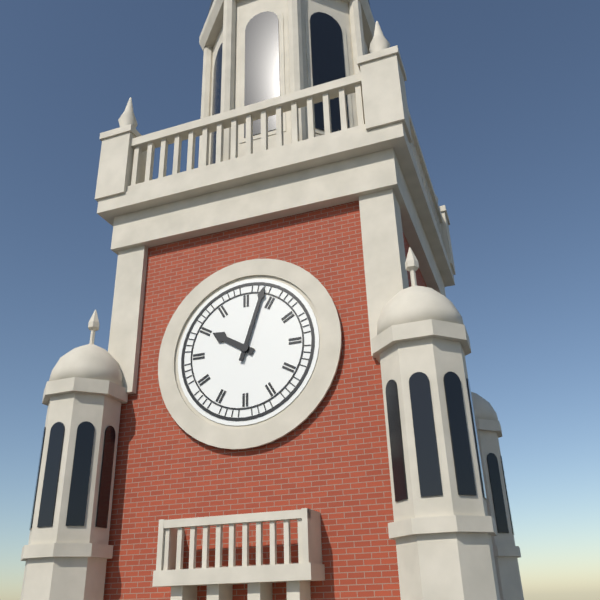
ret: {"hour": 10, "minute": 3}
